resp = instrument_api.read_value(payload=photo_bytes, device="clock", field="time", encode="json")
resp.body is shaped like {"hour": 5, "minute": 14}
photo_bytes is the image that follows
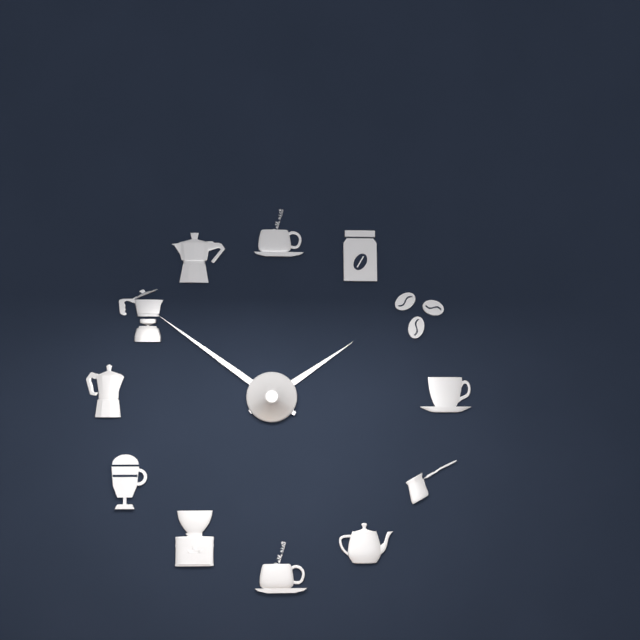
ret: {"hour": 1, "minute": 51}
